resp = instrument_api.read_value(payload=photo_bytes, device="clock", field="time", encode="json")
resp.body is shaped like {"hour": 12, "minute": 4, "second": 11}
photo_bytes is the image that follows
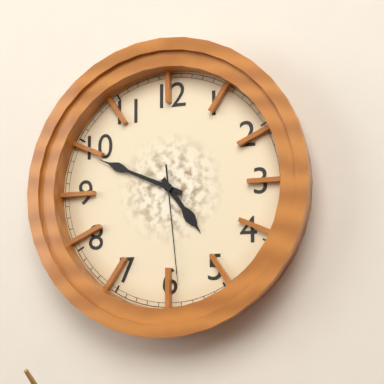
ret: {"hour": 4, "minute": 49, "second": 29}
